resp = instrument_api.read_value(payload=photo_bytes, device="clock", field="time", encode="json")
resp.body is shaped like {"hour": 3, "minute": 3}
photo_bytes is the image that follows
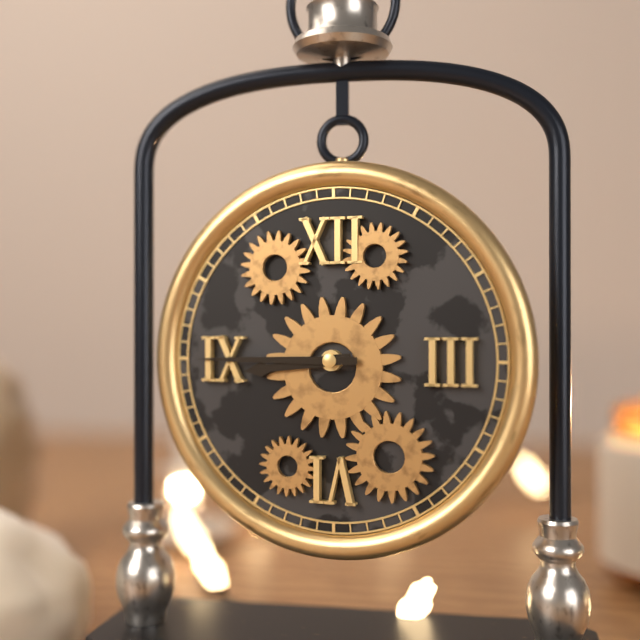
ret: {"hour": 8, "minute": 45}
